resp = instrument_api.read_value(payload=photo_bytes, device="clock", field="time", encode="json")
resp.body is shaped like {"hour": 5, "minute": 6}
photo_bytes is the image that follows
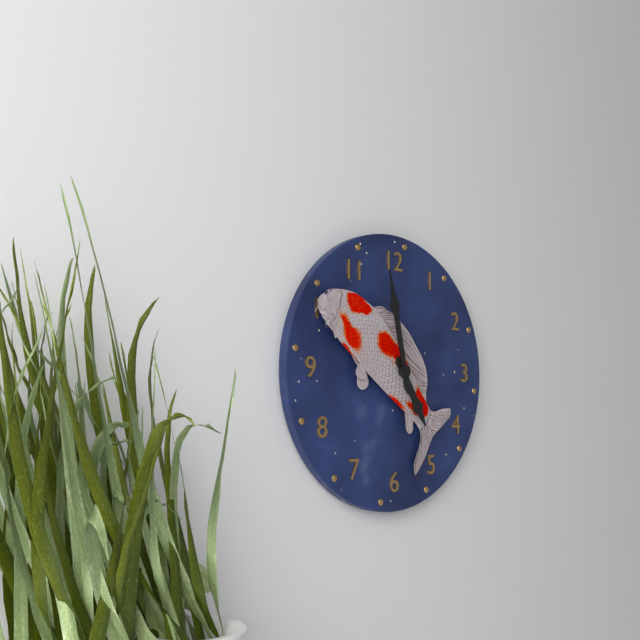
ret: {"hour": 4, "minute": 58}
